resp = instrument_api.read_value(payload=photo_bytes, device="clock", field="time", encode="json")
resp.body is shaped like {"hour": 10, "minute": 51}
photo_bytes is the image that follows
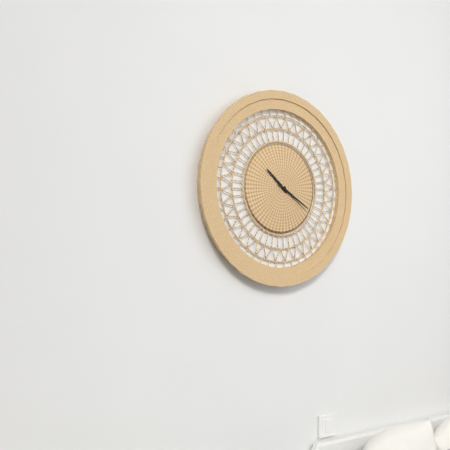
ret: {"hour": 10, "minute": 20}
